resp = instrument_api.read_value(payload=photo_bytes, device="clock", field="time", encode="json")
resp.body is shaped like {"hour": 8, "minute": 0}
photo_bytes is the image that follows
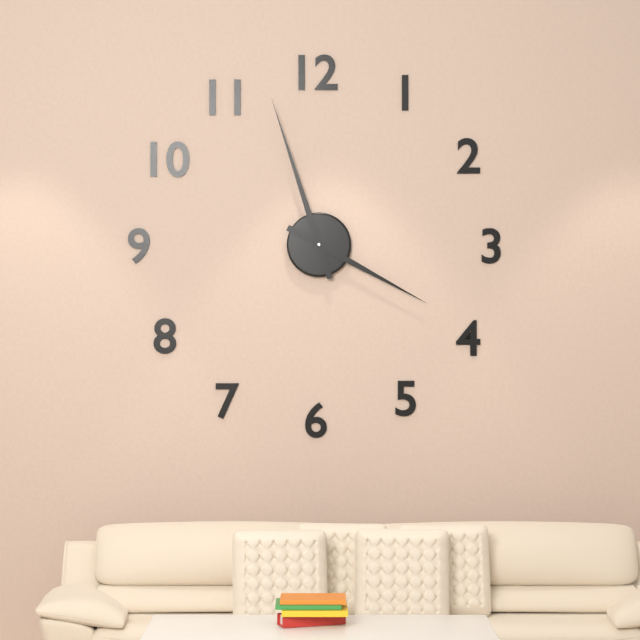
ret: {"hour": 3, "minute": 57}
